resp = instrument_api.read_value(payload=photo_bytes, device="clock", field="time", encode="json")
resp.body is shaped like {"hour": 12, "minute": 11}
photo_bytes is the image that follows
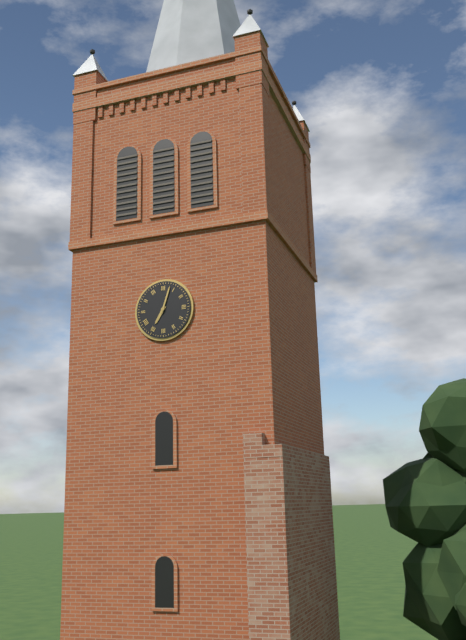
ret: {"hour": 7, "minute": 3}
